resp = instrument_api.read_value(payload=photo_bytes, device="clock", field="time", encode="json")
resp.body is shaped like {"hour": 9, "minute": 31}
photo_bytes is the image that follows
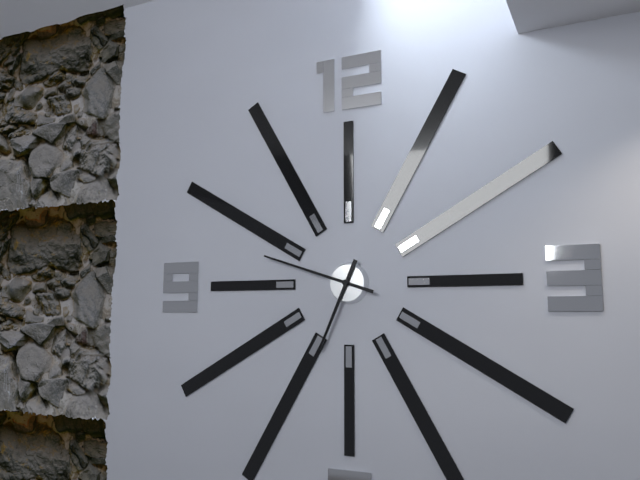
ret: {"hour": 6, "minute": 48}
